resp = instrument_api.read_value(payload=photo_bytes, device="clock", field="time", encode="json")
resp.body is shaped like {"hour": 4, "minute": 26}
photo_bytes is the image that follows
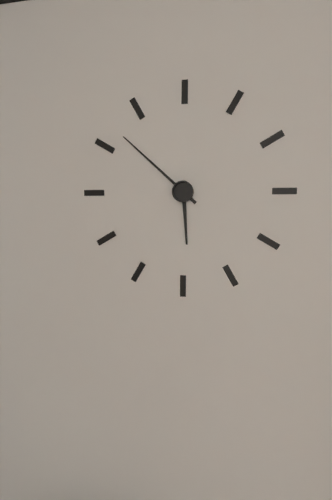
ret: {"hour": 5, "minute": 52}
